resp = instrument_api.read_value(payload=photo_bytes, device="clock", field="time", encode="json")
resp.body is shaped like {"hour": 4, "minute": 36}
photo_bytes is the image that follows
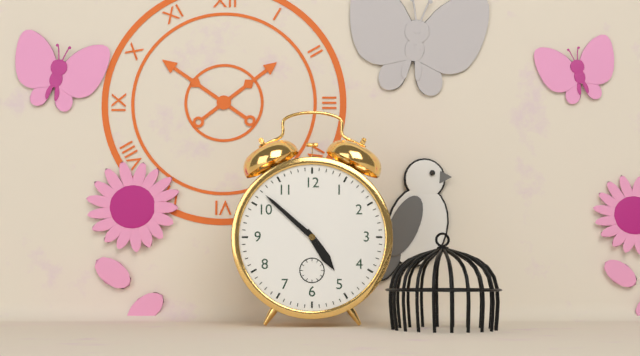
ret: {"hour": 4, "minute": 52}
